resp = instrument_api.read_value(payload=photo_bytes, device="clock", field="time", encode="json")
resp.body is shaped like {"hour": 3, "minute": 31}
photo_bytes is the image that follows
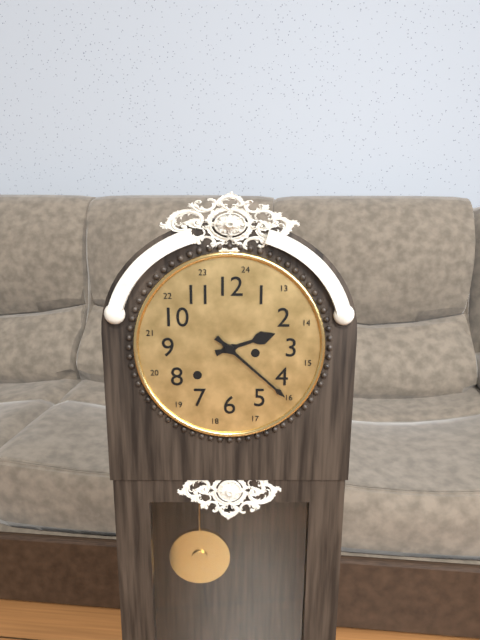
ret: {"hour": 2, "minute": 22}
